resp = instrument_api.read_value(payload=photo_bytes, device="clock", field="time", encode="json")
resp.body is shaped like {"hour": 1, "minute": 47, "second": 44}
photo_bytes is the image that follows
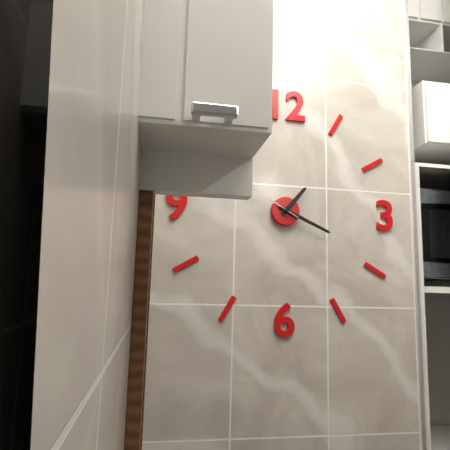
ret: {"hour": 1, "minute": 19, "second": 50}
